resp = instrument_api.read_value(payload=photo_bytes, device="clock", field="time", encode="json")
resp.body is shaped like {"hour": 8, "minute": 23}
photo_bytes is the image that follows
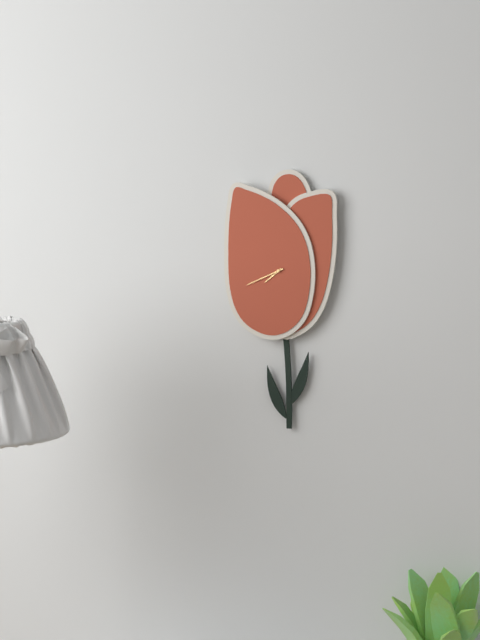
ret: {"hour": 7, "minute": 41}
